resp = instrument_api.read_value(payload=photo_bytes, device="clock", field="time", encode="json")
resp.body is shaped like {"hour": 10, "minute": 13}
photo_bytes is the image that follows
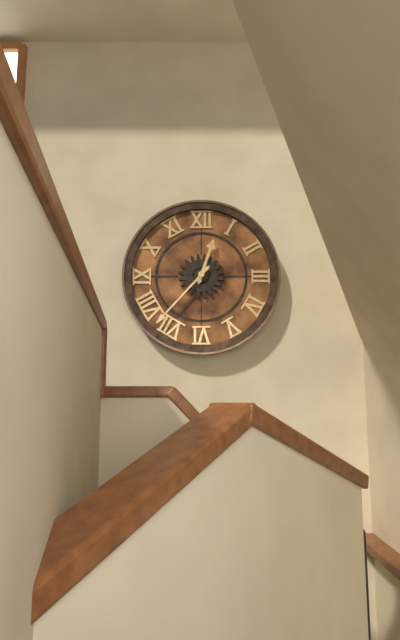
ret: {"hour": 12, "minute": 37}
